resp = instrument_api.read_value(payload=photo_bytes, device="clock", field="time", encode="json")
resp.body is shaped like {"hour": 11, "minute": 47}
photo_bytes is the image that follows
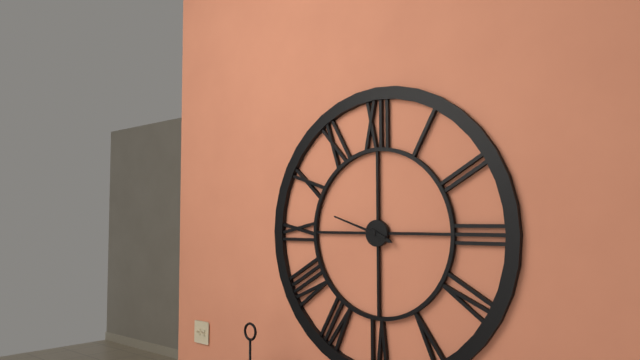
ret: {"hour": 3, "minute": 48}
